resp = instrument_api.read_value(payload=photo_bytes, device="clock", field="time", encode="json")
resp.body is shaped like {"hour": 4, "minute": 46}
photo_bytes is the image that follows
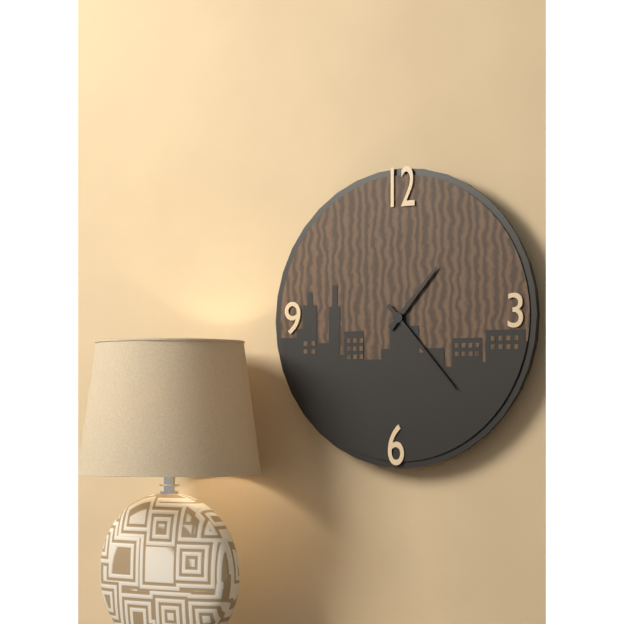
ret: {"hour": 1, "minute": 23}
